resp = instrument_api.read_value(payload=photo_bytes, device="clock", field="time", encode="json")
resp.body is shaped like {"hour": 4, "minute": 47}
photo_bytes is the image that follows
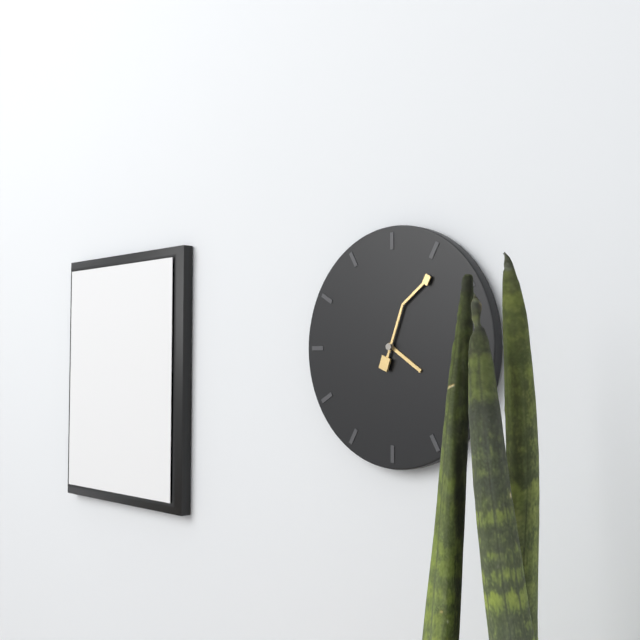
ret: {"hour": 4, "minute": 6}
